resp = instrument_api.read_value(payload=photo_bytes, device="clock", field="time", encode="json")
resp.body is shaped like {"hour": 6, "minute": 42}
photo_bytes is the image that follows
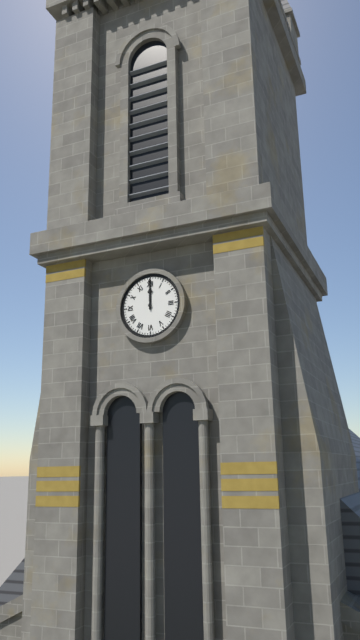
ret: {"hour": 12, "minute": 0}
